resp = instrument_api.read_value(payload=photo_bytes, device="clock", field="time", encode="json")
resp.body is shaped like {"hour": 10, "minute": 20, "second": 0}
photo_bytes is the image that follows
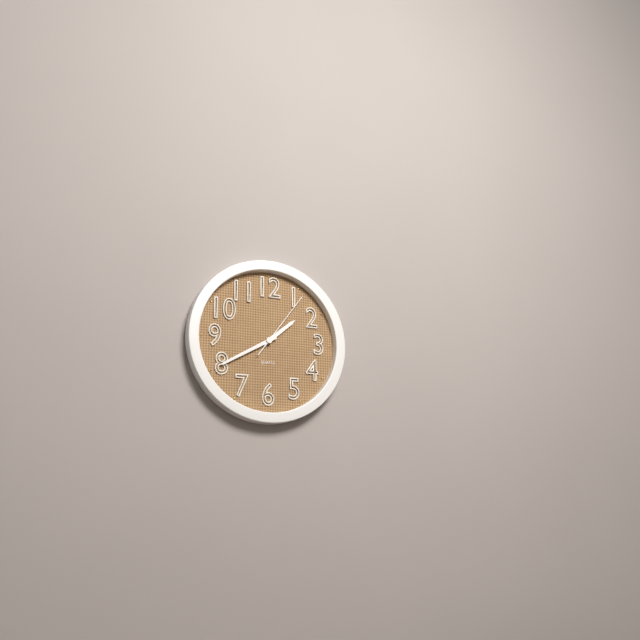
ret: {"hour": 1, "minute": 40, "second": 6}
